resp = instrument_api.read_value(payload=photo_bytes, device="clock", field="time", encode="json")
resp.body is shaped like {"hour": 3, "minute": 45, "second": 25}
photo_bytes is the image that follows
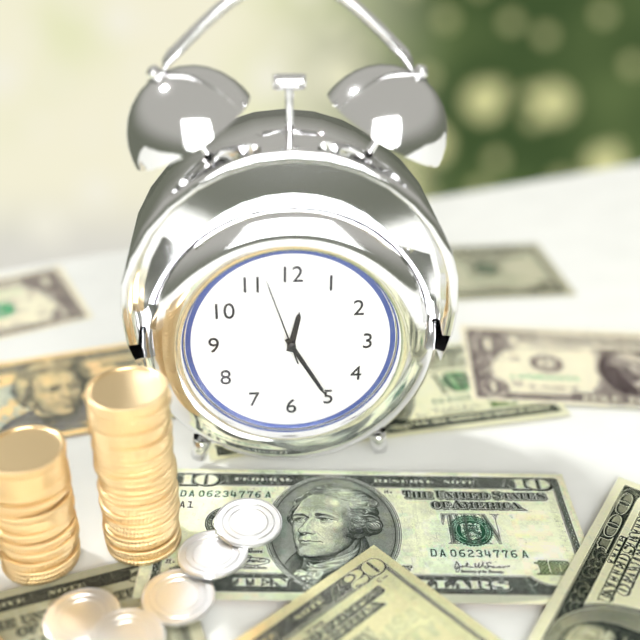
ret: {"hour": 12, "minute": 25, "second": 57}
